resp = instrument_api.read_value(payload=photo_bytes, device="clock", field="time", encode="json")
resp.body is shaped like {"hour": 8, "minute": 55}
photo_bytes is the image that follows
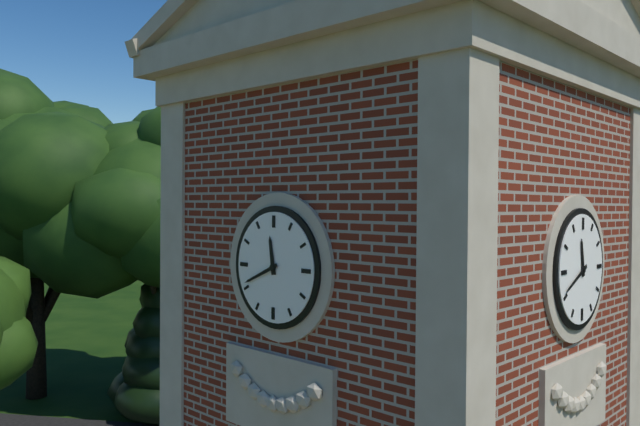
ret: {"hour": 11, "minute": 41}
